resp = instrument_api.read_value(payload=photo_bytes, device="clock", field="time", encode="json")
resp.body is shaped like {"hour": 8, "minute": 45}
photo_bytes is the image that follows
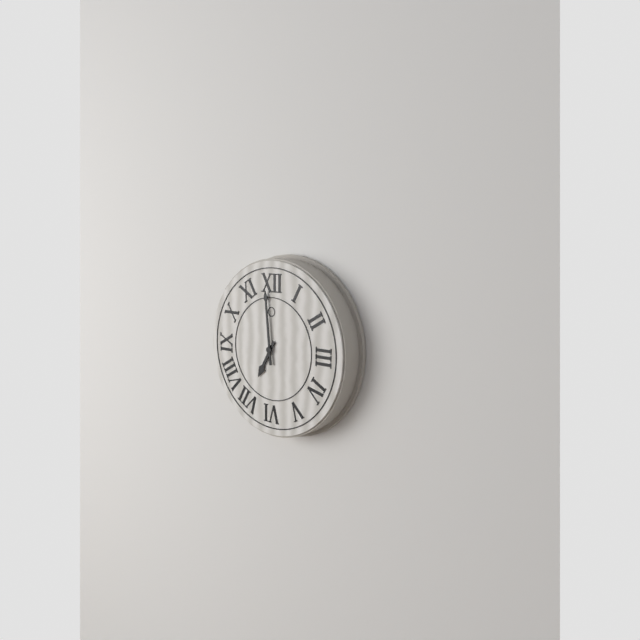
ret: {"hour": 6, "minute": 59}
